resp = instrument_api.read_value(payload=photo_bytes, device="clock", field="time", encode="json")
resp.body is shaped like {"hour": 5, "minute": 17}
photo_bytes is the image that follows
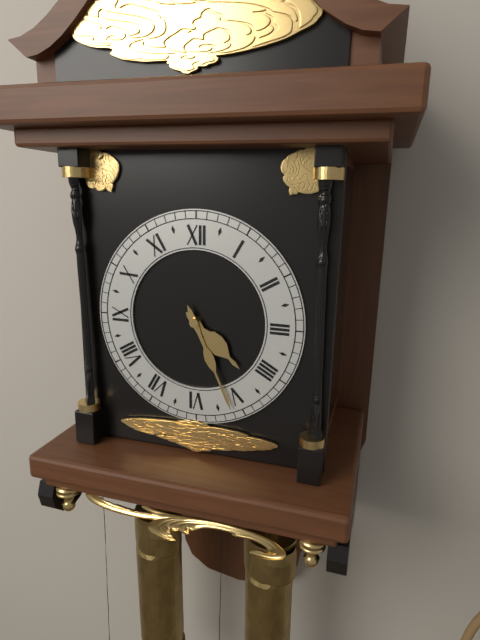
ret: {"hour": 4, "minute": 26}
